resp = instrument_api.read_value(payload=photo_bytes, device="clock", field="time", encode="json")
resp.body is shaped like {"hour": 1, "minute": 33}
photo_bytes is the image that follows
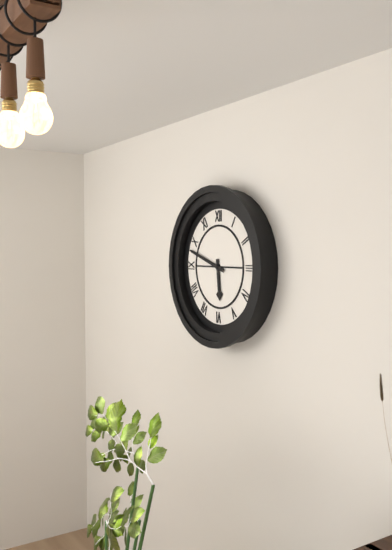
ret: {"hour": 5, "minute": 48}
